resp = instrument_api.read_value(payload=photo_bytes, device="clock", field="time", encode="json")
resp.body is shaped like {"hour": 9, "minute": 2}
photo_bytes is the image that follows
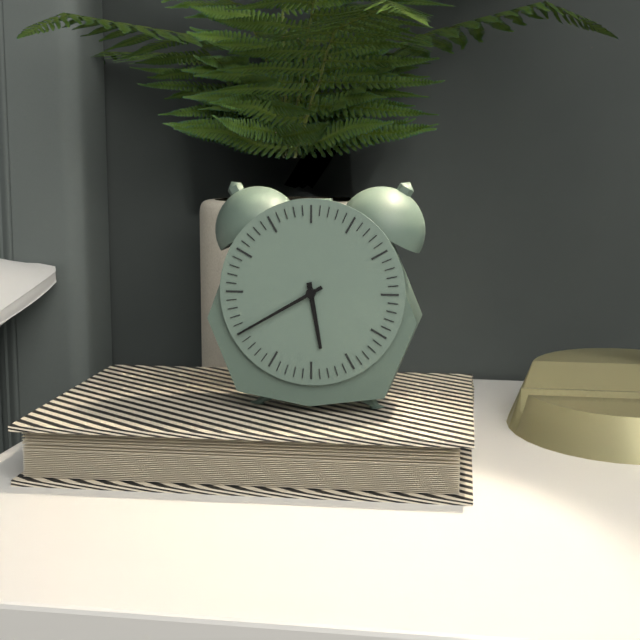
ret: {"hour": 5, "minute": 40}
